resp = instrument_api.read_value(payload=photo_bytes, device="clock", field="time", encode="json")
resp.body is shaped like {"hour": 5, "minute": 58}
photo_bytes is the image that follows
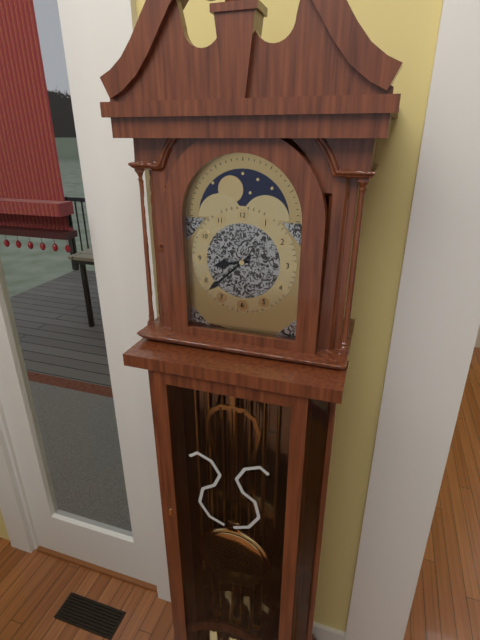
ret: {"hour": 8, "minute": 38}
